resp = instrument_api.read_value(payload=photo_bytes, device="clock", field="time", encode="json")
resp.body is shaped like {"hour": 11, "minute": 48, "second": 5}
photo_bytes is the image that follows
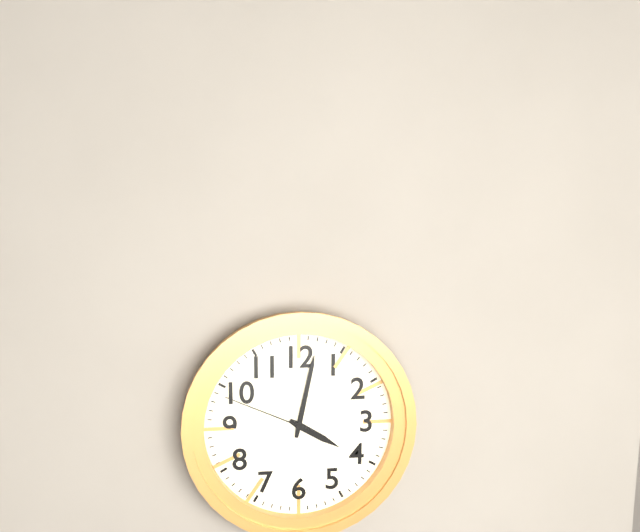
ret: {"hour": 4, "minute": 2, "second": 49}
